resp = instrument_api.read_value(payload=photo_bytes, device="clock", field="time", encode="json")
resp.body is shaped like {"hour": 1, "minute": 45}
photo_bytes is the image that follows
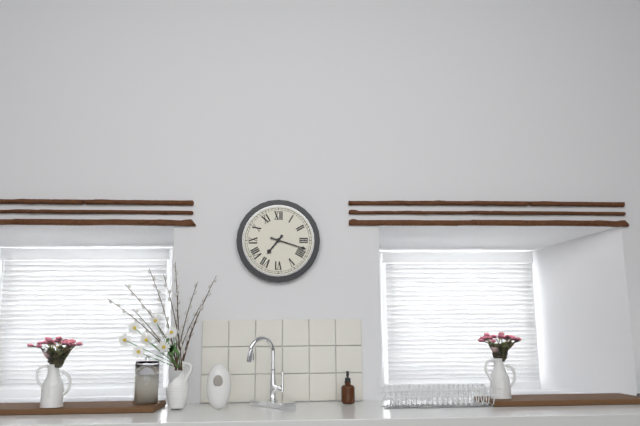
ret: {"hour": 7, "minute": 18}
